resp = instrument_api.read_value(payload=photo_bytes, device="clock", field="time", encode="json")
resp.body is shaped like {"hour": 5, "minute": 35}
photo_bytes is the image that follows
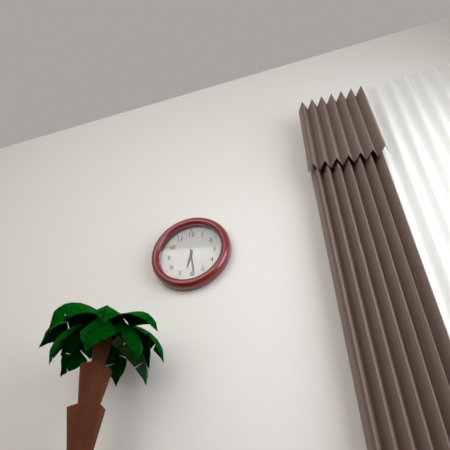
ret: {"hour": 6, "minute": 29}
